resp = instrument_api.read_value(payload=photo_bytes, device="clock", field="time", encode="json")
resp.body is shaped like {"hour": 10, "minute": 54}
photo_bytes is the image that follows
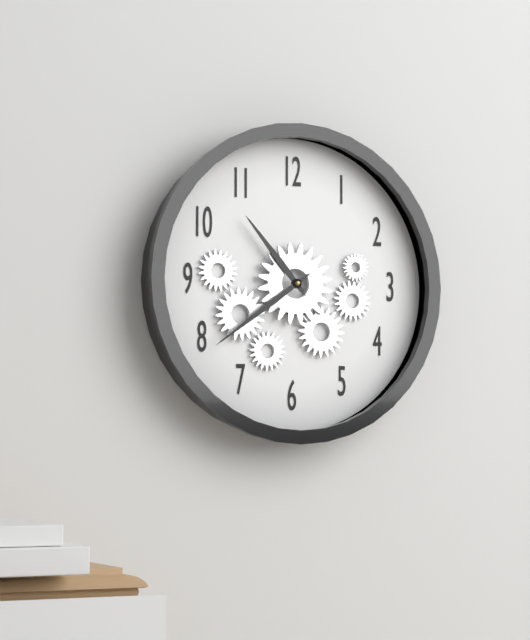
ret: {"hour": 10, "minute": 39}
